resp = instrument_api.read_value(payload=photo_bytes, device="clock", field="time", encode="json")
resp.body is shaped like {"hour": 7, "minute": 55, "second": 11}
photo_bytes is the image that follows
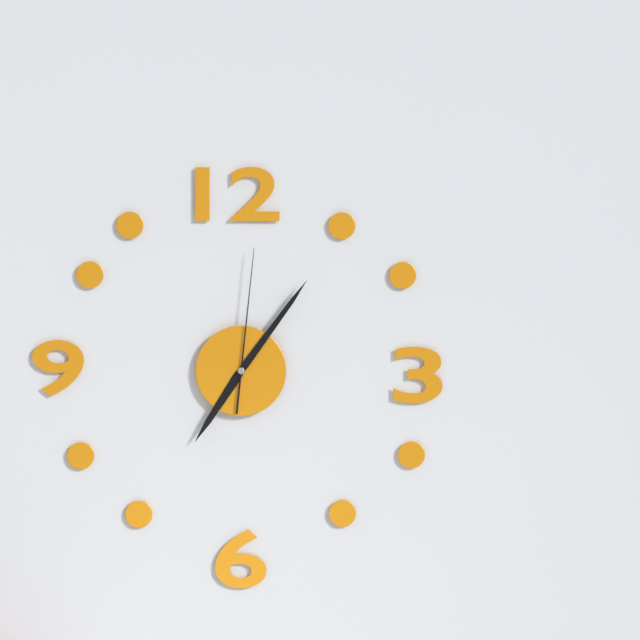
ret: {"hour": 7, "minute": 6, "second": 1}
